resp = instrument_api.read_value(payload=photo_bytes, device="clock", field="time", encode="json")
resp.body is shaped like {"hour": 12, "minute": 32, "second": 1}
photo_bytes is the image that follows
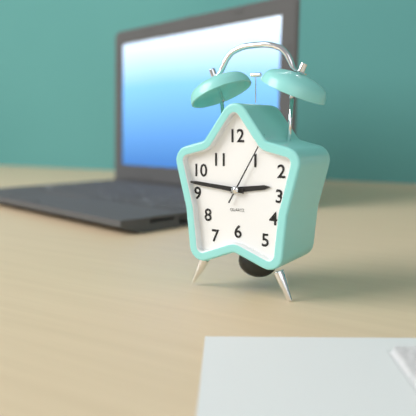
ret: {"hour": 2, "minute": 46, "second": 5}
